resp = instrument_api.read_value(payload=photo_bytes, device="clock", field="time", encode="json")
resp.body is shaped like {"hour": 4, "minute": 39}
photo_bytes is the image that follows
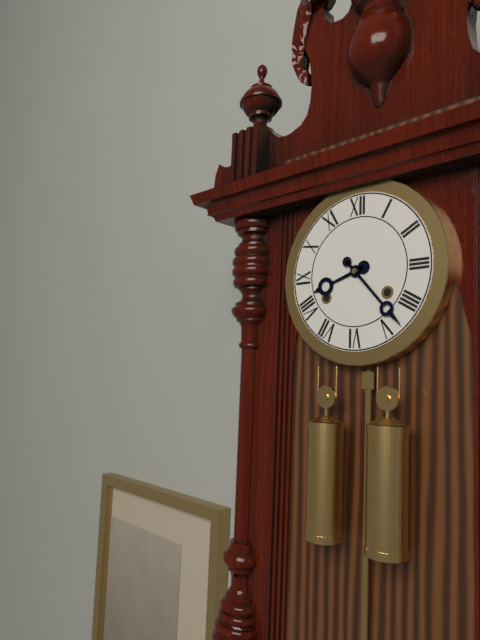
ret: {"hour": 8, "minute": 23}
